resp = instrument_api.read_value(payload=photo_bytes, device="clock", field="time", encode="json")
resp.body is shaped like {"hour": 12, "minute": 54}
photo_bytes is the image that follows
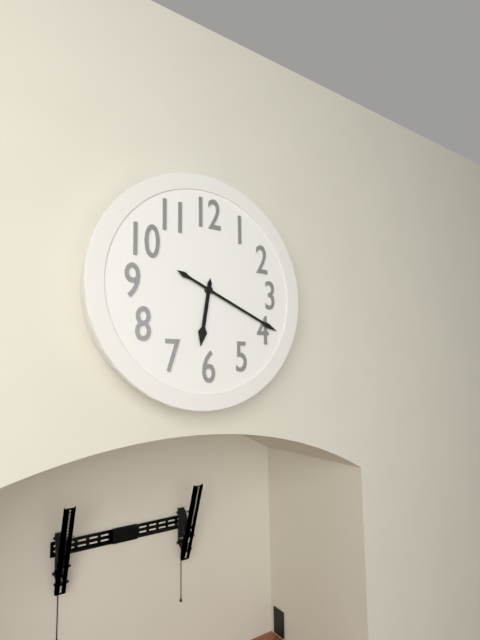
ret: {"hour": 6, "minute": 19}
